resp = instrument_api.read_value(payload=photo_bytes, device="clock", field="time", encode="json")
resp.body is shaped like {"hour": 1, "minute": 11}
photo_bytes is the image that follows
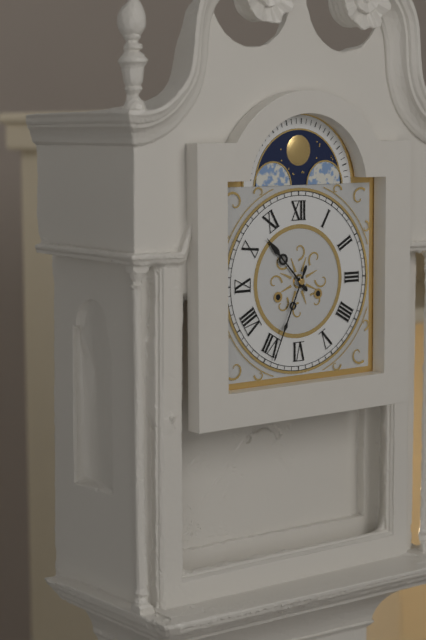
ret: {"hour": 10, "minute": 34}
